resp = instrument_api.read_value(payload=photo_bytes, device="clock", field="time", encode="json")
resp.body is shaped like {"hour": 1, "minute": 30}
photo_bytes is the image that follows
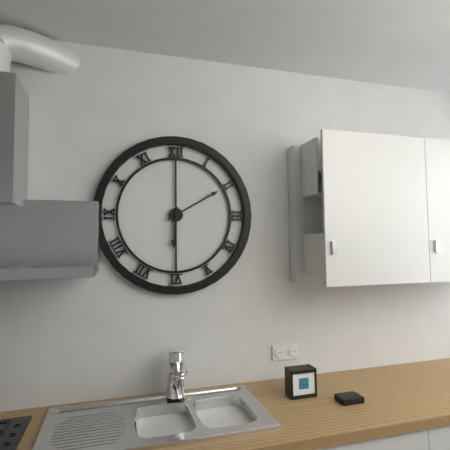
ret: {"hour": 6, "minute": 10}
